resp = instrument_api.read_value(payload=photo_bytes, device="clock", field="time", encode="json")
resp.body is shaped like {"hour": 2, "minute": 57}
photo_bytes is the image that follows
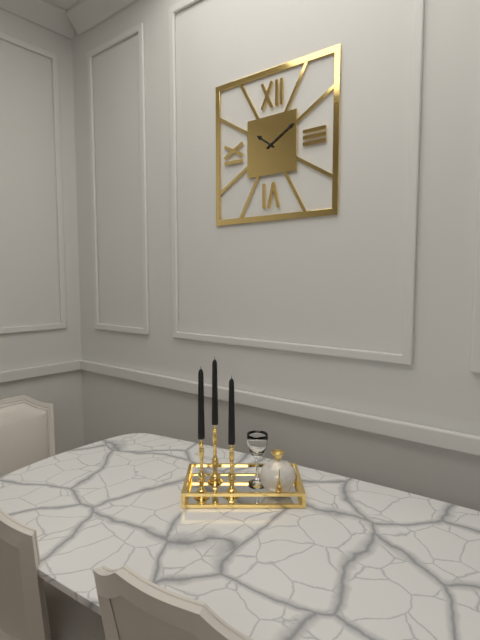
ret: {"hour": 10, "minute": 10}
